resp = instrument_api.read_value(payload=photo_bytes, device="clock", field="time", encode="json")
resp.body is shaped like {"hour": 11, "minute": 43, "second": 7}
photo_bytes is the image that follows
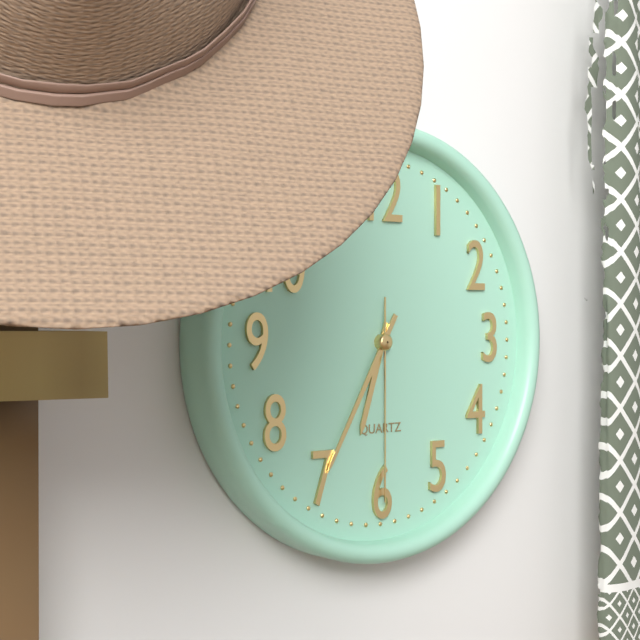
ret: {"hour": 6, "minute": 35, "second": 30}
